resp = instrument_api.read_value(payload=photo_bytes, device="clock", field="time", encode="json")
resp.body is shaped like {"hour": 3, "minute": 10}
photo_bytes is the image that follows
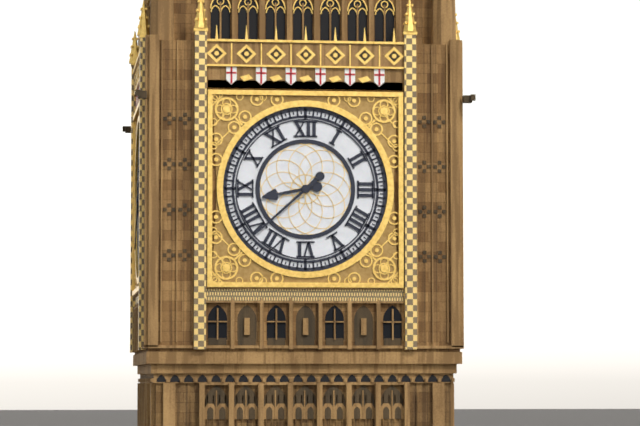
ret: {"hour": 8, "minute": 38}
